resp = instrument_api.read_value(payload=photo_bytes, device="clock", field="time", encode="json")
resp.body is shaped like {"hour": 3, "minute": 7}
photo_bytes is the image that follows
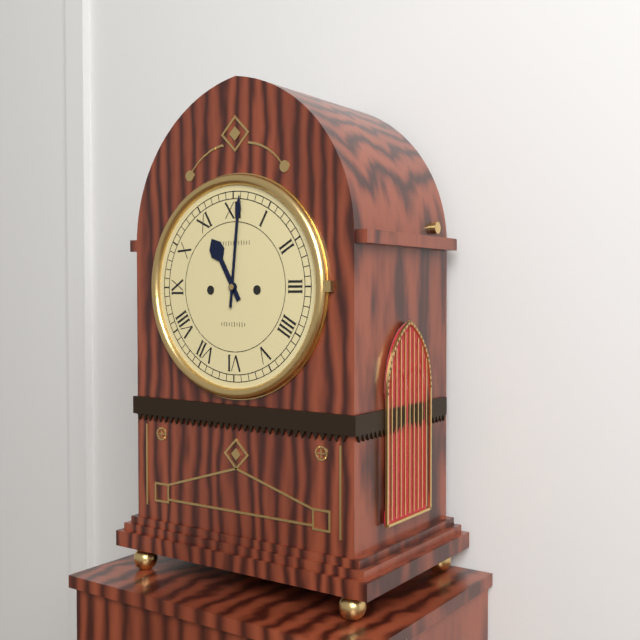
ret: {"hour": 11, "minute": 1}
